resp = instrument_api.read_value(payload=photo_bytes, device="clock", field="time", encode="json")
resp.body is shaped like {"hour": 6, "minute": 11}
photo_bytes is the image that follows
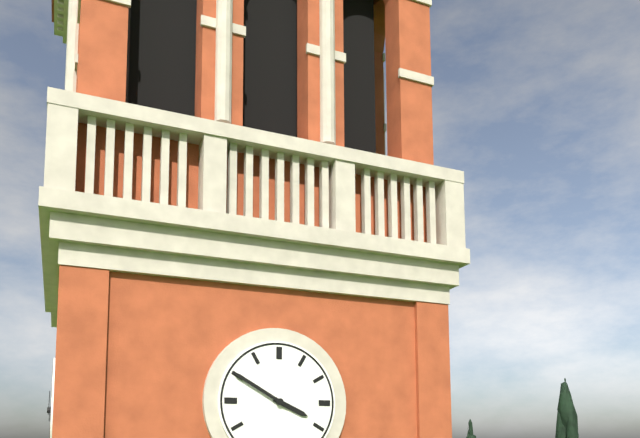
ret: {"hour": 3, "minute": 50}
